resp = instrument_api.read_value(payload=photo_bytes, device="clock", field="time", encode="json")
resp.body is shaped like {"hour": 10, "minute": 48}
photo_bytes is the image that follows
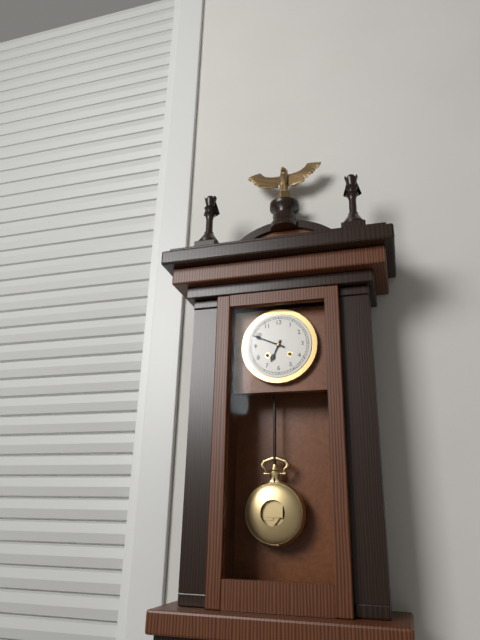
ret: {"hour": 6, "minute": 49}
